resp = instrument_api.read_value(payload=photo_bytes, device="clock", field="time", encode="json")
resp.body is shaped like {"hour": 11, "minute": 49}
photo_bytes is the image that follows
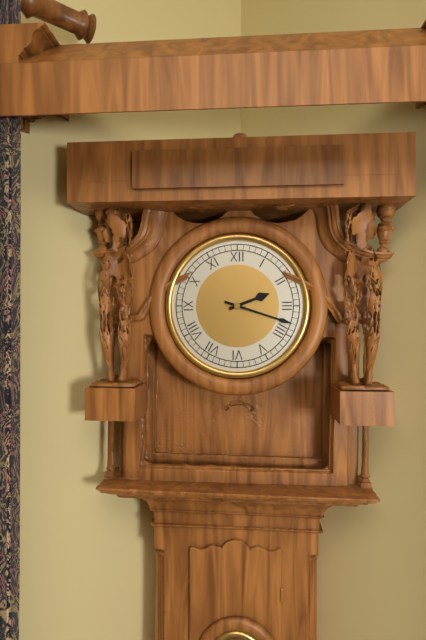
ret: {"hour": 2, "minute": 18}
